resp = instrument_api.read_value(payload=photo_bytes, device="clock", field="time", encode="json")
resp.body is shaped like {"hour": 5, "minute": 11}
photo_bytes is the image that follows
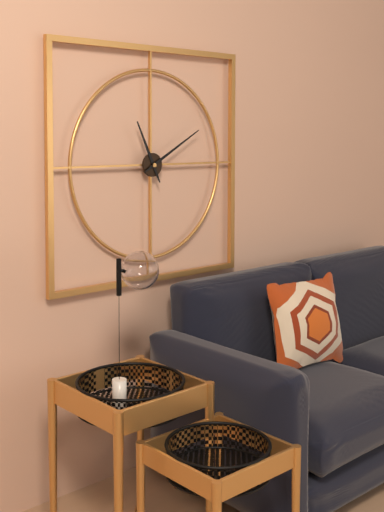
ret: {"hour": 11, "minute": 10}
